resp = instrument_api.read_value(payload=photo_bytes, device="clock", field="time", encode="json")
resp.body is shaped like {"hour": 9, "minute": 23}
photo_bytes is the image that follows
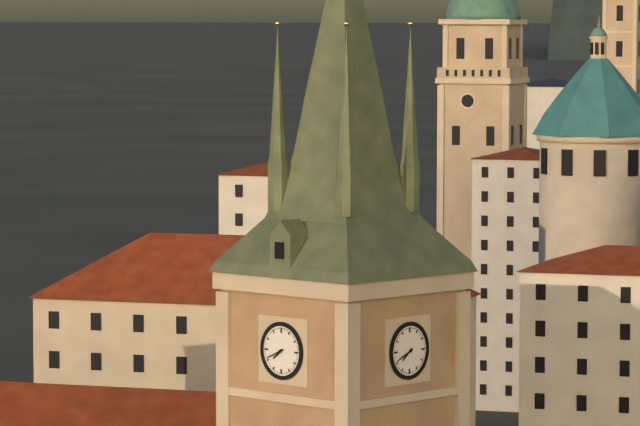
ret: {"hour": 7, "minute": 41}
